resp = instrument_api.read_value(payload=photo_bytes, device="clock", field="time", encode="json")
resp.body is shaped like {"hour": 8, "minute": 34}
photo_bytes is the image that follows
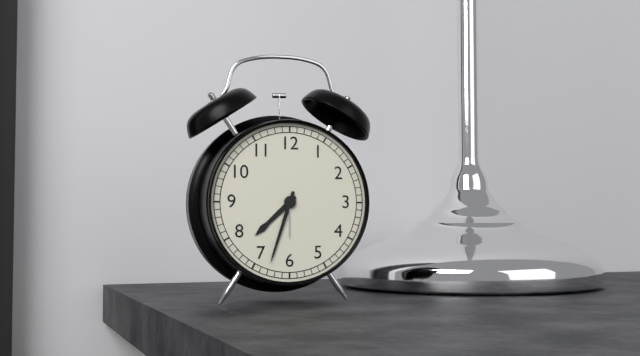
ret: {"hour": 7, "minute": 33}
